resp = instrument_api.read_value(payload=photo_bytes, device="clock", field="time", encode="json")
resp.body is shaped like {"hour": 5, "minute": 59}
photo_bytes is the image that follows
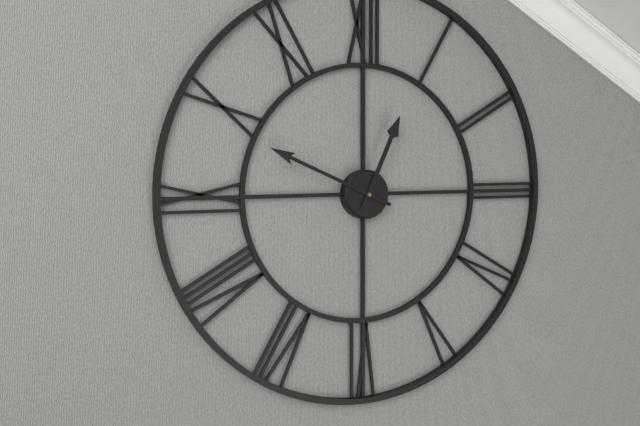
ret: {"hour": 12, "minute": 49}
